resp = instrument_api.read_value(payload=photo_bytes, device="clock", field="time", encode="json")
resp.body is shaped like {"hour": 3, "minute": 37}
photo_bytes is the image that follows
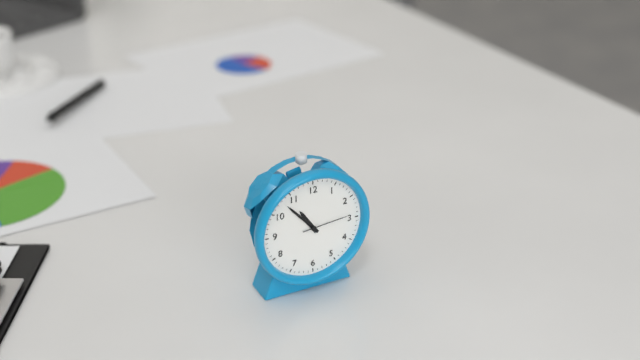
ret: {"hour": 10, "minute": 53}
